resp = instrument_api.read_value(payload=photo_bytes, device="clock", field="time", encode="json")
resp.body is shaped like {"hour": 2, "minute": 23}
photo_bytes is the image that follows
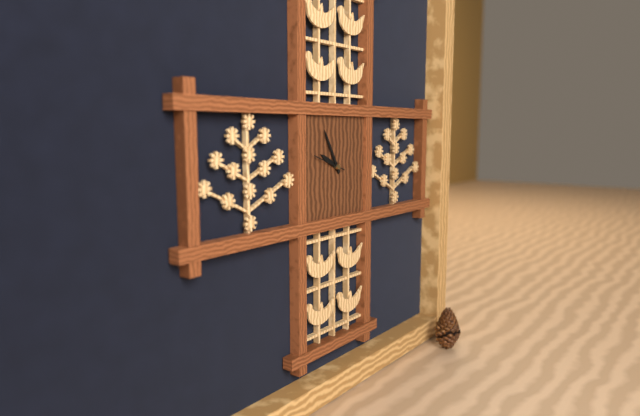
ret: {"hour": 9, "minute": 55}
